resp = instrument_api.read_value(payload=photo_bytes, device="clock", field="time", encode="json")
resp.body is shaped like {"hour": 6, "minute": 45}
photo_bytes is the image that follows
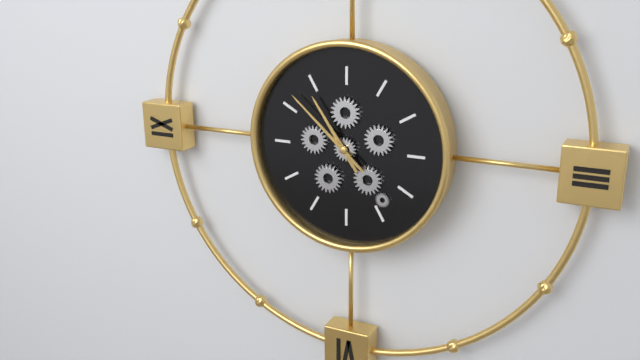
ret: {"hour": 10, "minute": 52}
